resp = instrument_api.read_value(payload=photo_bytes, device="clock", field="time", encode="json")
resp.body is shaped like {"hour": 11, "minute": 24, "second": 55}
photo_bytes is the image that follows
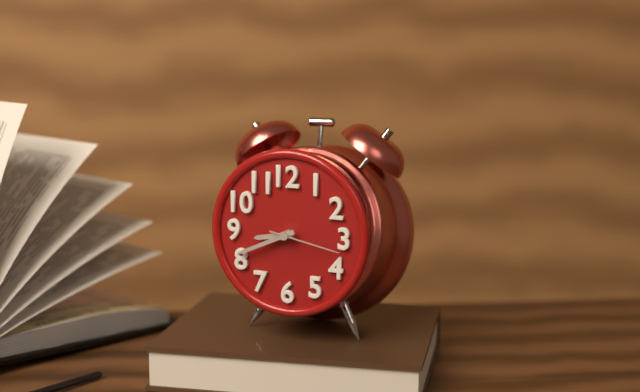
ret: {"hour": 8, "minute": 41, "second": 17}
